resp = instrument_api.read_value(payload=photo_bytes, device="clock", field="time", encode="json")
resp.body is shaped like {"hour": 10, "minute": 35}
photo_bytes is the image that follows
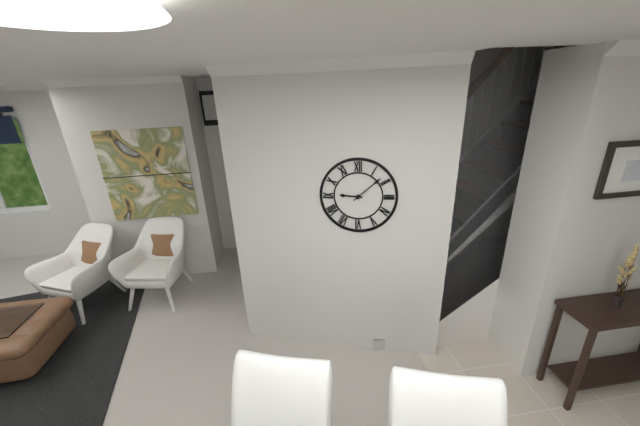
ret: {"hour": 9, "minute": 8}
